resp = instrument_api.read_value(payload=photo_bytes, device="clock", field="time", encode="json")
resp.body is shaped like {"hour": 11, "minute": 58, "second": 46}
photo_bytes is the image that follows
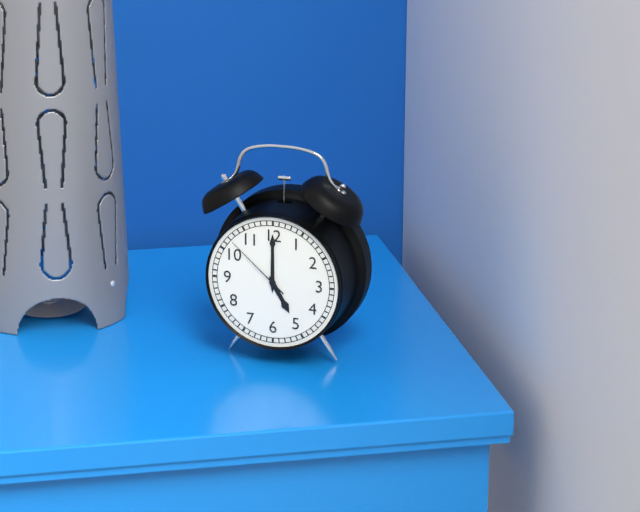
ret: {"hour": 5, "minute": 0, "second": 52}
